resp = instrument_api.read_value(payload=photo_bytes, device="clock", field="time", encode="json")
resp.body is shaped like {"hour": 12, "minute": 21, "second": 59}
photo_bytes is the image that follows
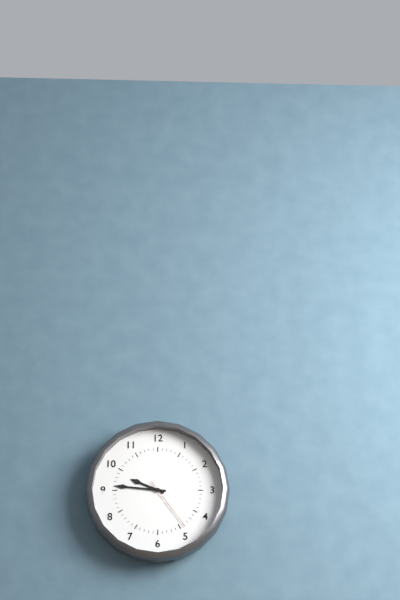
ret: {"hour": 9, "minute": 46, "second": 24}
